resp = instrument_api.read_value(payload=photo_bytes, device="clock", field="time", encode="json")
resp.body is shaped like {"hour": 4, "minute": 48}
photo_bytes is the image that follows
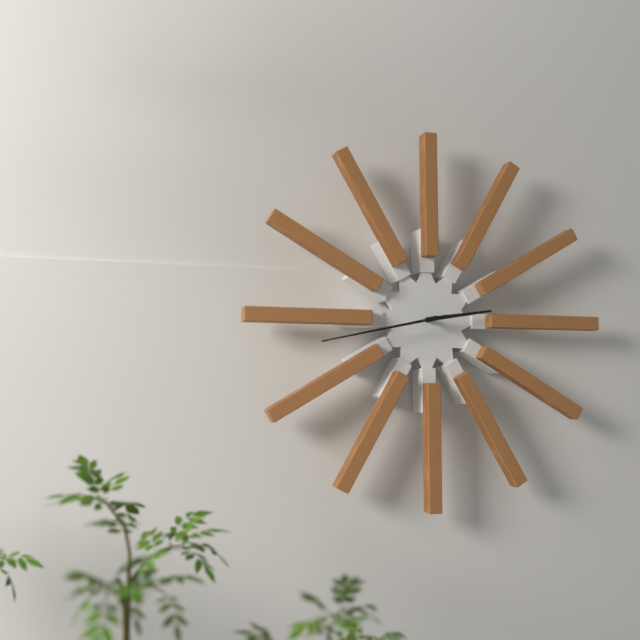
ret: {"hour": 2, "minute": 43}
